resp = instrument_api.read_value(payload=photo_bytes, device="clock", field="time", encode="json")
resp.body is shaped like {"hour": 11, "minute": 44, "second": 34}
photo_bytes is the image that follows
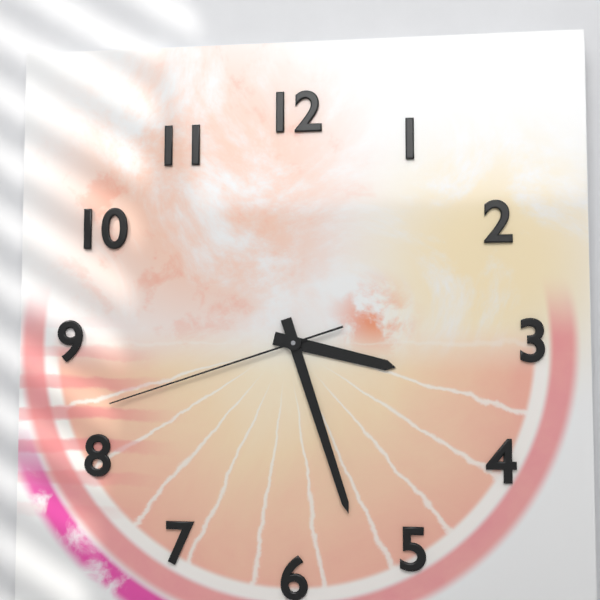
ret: {"hour": 3, "minute": 27, "second": 42}
